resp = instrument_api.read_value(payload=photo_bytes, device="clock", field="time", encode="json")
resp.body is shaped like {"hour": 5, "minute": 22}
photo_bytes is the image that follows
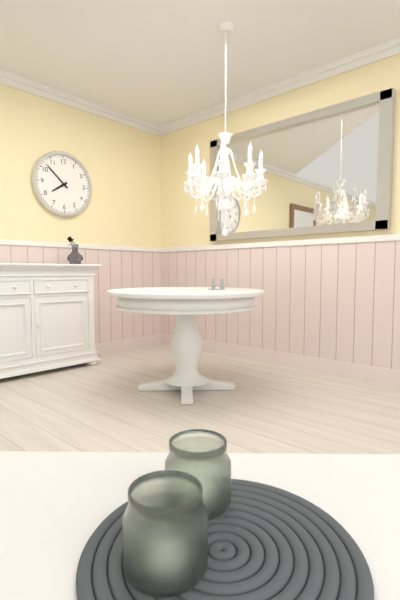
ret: {"hour": 7, "minute": 52}
